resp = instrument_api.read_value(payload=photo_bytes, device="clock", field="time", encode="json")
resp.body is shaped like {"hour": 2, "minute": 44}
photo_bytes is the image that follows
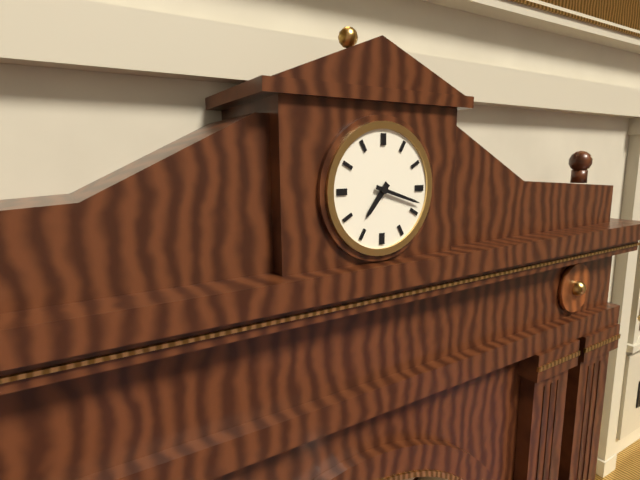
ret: {"hour": 7, "minute": 18}
